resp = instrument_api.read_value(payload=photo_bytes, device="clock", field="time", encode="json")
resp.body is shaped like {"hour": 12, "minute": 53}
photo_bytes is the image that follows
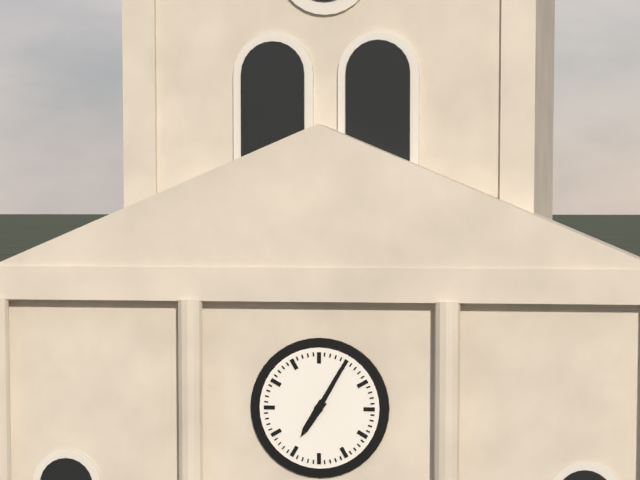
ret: {"hour": 7, "minute": 5}
